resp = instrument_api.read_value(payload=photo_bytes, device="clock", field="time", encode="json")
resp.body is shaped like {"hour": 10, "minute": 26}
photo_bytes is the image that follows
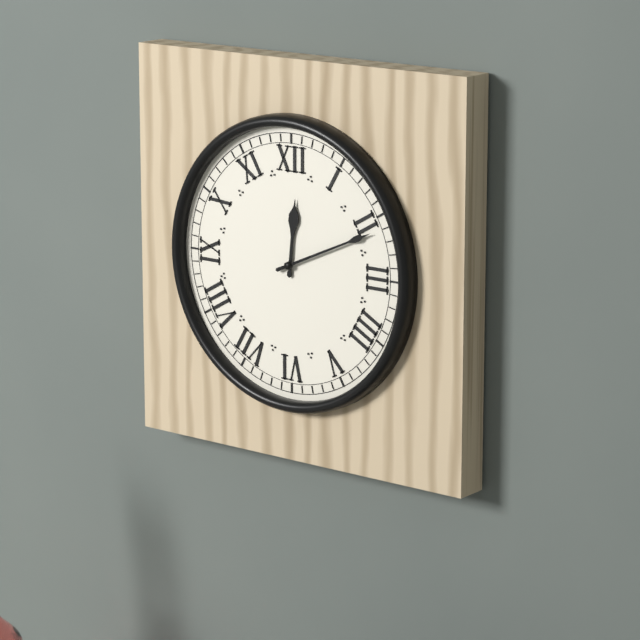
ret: {"hour": 12, "minute": 11}
